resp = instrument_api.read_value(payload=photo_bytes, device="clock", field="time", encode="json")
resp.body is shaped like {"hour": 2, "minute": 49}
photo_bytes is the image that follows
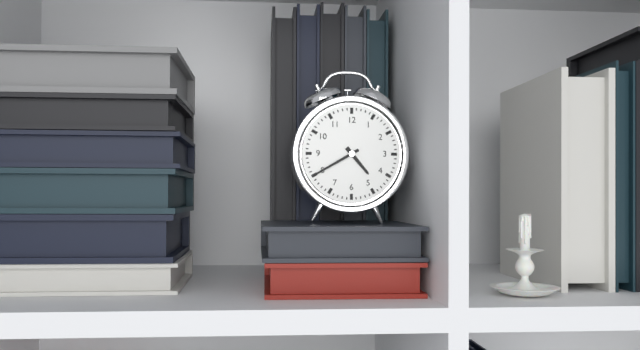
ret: {"hour": 4, "minute": 40}
